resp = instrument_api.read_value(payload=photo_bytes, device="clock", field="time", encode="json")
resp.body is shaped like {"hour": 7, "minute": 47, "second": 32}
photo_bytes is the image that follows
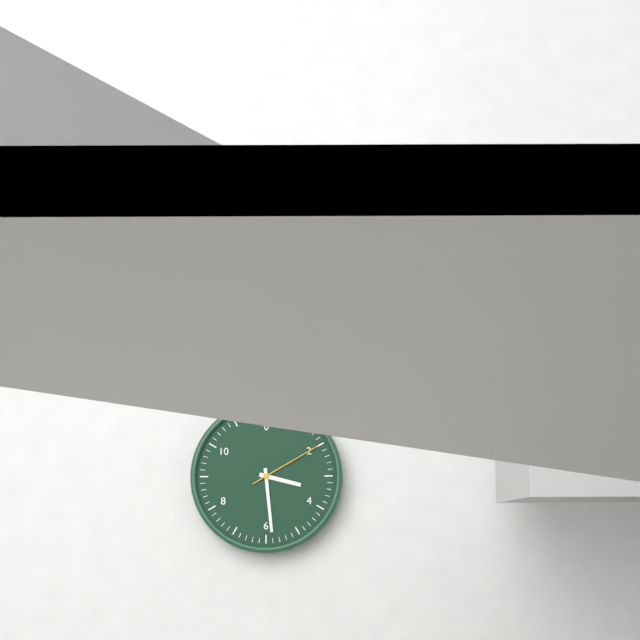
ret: {"hour": 3, "minute": 29, "second": 10}
